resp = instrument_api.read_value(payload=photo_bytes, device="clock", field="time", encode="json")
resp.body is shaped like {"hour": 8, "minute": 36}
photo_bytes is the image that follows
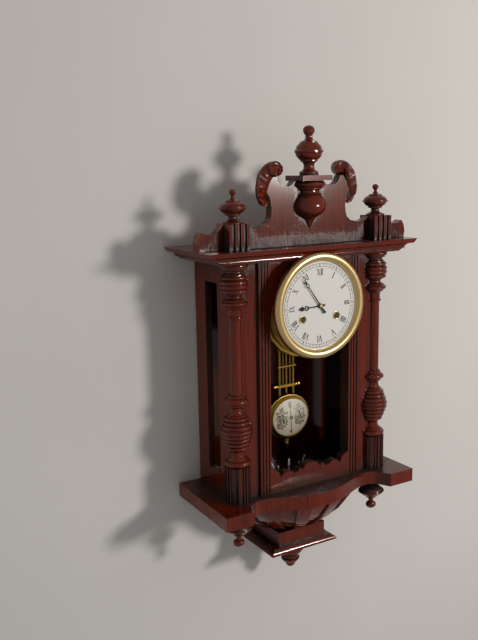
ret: {"hour": 8, "minute": 54}
